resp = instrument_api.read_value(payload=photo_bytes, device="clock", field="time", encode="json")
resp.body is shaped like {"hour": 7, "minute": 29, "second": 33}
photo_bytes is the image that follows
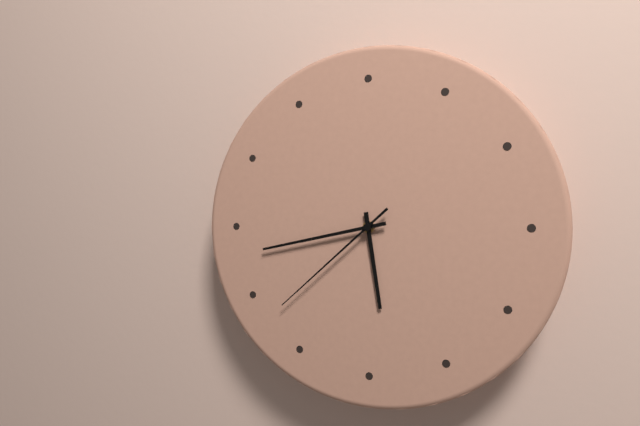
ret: {"hour": 5, "minute": 43, "second": 38}
